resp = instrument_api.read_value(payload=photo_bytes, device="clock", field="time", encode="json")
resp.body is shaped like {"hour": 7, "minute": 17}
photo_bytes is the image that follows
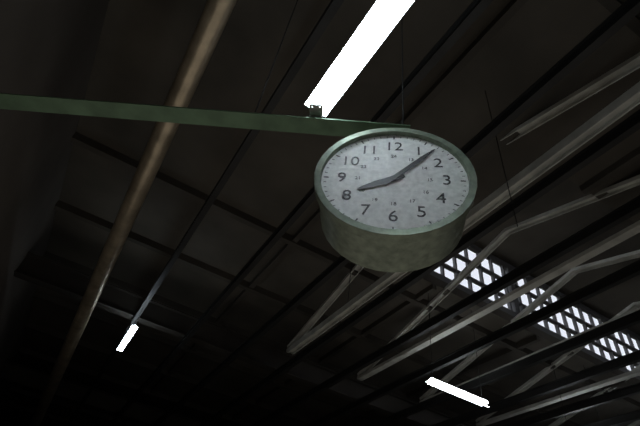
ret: {"hour": 8, "minute": 7}
